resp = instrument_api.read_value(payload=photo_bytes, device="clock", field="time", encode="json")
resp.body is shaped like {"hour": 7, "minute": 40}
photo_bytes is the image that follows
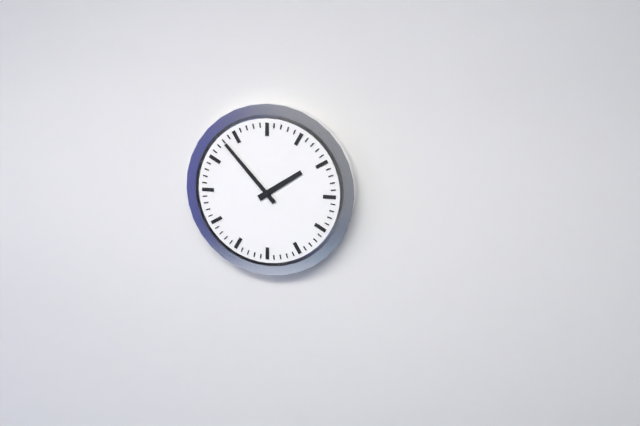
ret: {"hour": 1, "minute": 53}
